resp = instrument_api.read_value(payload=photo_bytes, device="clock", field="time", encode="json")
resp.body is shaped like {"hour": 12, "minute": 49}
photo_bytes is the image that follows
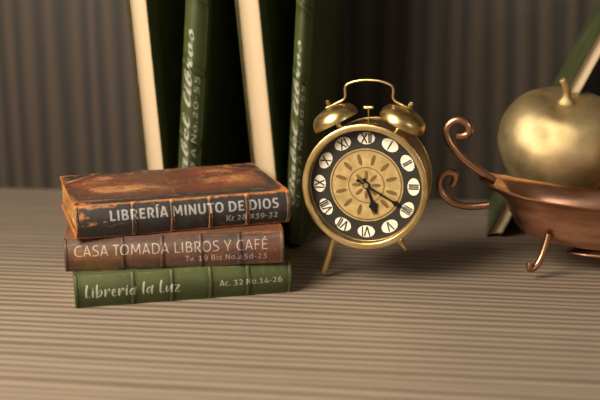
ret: {"hour": 5, "minute": 20}
